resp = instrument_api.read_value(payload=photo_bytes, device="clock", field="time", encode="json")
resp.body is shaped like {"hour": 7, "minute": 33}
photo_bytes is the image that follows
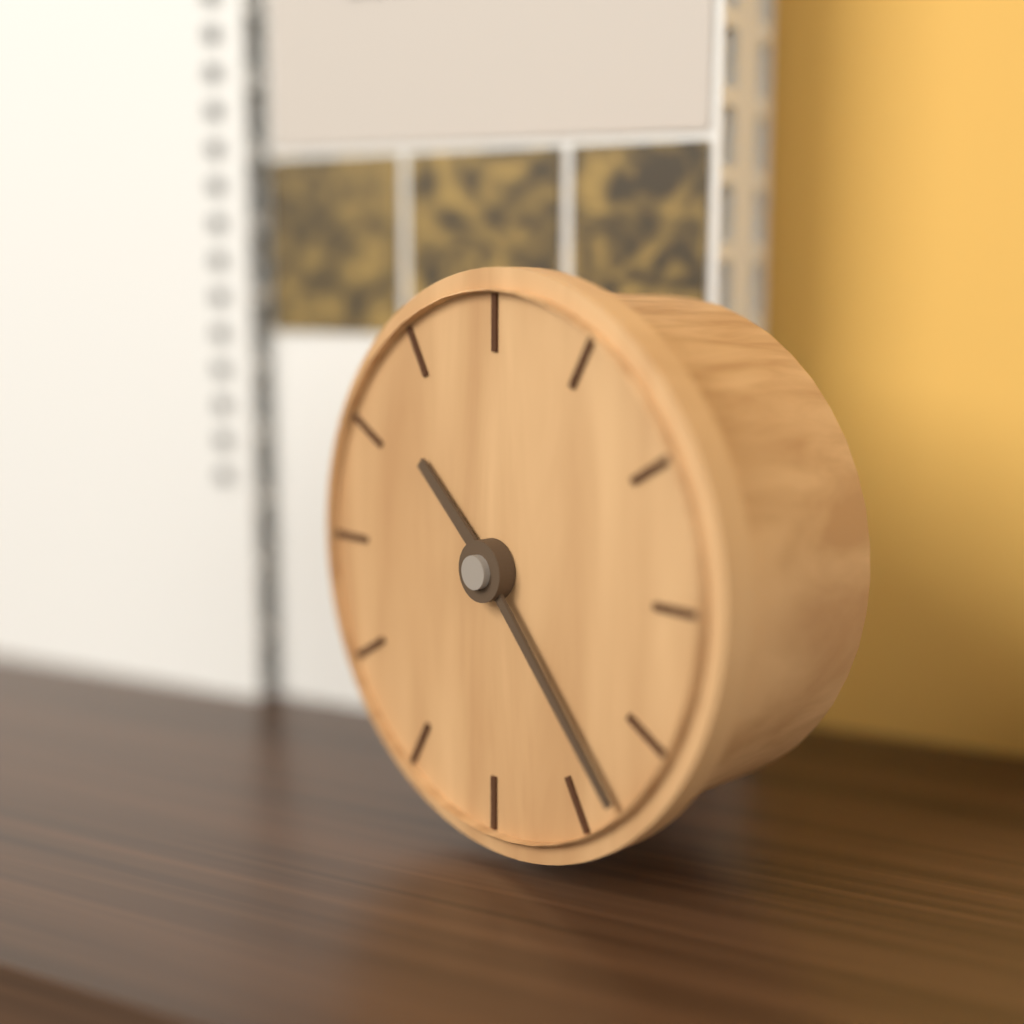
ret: {"hour": 10, "minute": 23}
